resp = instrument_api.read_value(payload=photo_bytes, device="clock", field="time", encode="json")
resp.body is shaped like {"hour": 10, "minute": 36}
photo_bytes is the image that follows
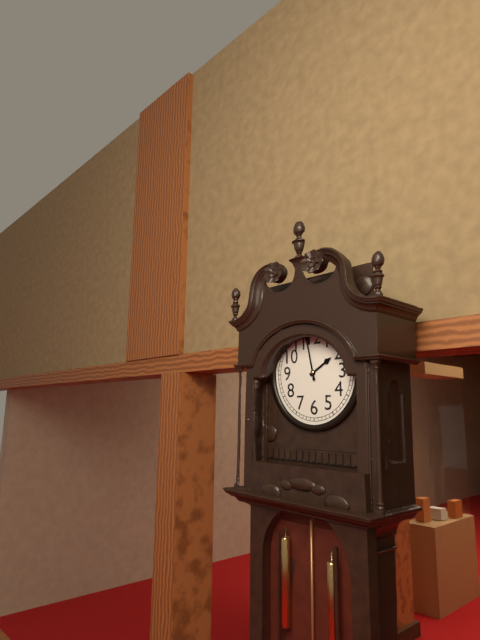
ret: {"hour": 1, "minute": 58}
